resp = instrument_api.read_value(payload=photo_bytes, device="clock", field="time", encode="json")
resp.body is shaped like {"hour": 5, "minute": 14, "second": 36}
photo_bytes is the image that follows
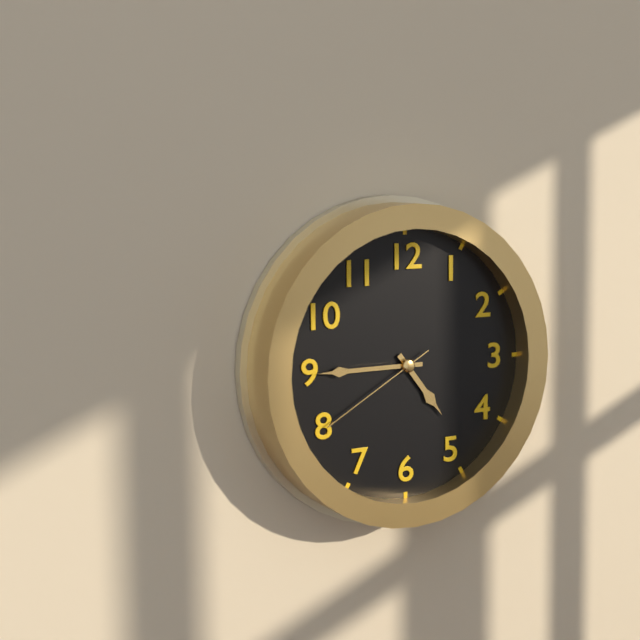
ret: {"hour": 4, "minute": 45, "second": 40}
